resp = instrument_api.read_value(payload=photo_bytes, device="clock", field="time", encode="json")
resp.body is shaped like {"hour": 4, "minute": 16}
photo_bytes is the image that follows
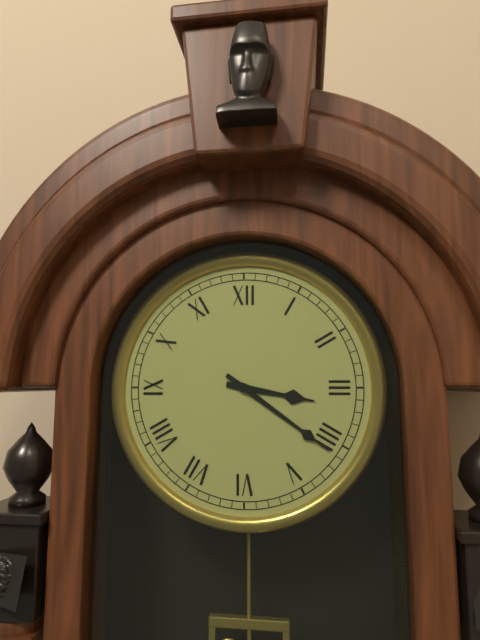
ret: {"hour": 3, "minute": 21}
